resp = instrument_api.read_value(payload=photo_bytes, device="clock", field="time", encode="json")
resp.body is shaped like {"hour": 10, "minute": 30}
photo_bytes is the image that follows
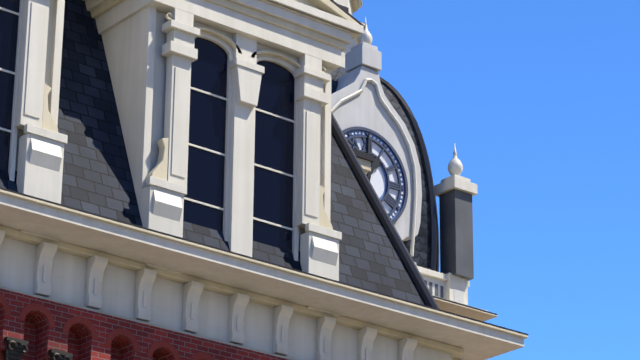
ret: {"hour": 1, "minute": 0}
